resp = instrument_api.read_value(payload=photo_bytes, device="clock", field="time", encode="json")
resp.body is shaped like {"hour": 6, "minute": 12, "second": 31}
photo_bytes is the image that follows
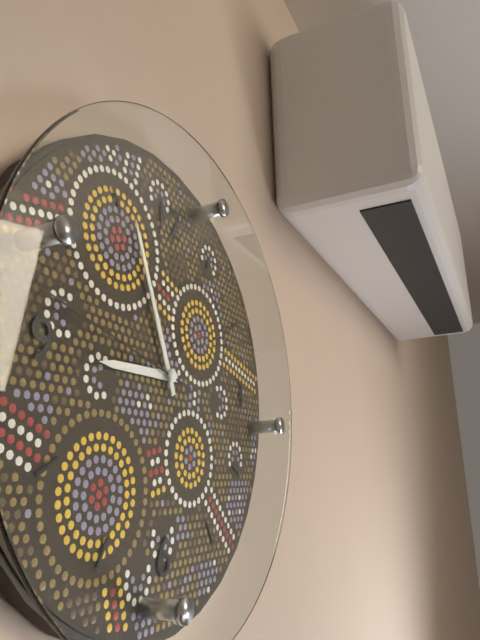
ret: {"hour": 8, "minute": 56, "second": 47}
